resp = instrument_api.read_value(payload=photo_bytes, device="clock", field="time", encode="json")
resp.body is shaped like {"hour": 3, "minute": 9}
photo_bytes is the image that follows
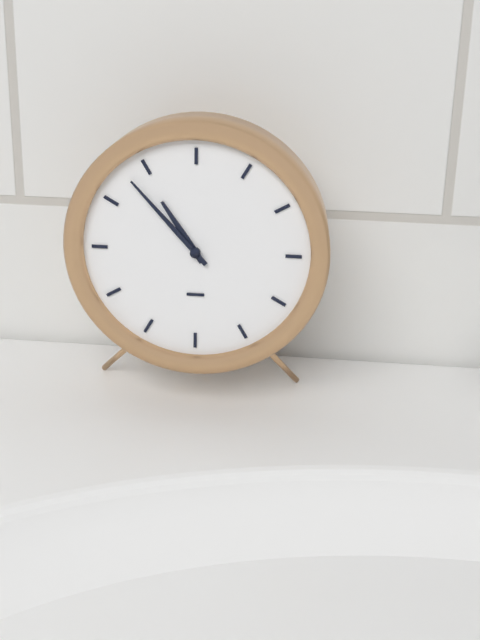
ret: {"hour": 10, "minute": 53}
